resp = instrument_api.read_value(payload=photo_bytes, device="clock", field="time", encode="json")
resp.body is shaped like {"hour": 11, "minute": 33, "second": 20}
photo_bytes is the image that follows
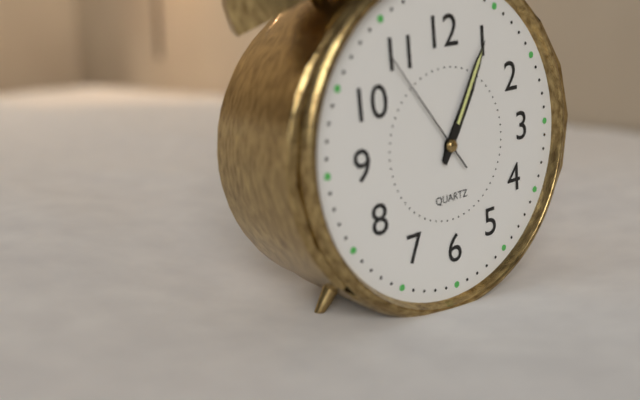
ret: {"hour": 1, "minute": 5, "second": 54}
